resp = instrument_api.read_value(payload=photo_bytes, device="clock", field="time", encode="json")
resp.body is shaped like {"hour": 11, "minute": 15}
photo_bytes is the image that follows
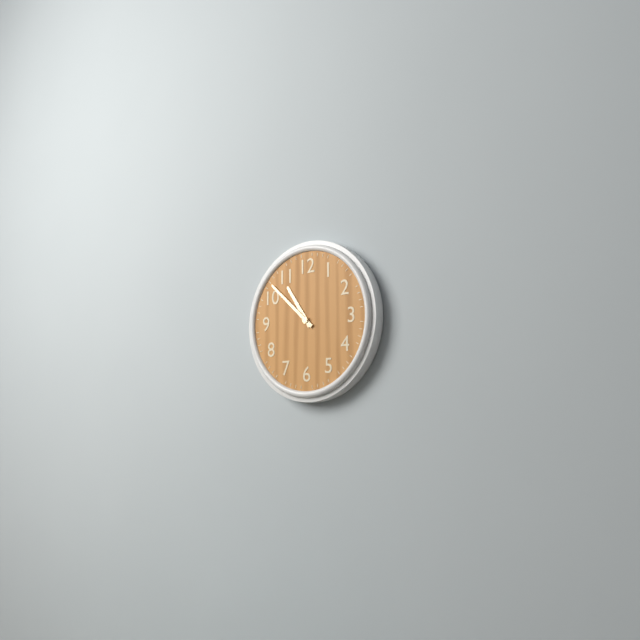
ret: {"hour": 10, "minute": 52}
